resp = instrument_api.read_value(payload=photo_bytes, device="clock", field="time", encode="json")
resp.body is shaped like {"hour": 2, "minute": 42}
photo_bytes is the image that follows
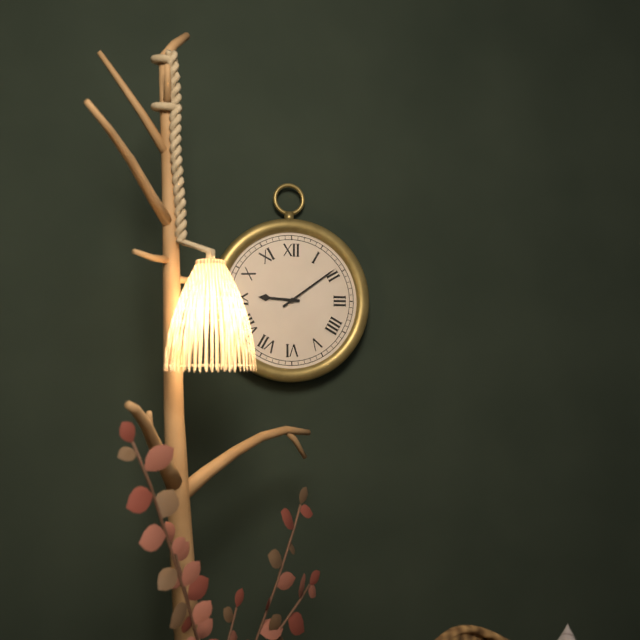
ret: {"hour": 9, "minute": 9}
